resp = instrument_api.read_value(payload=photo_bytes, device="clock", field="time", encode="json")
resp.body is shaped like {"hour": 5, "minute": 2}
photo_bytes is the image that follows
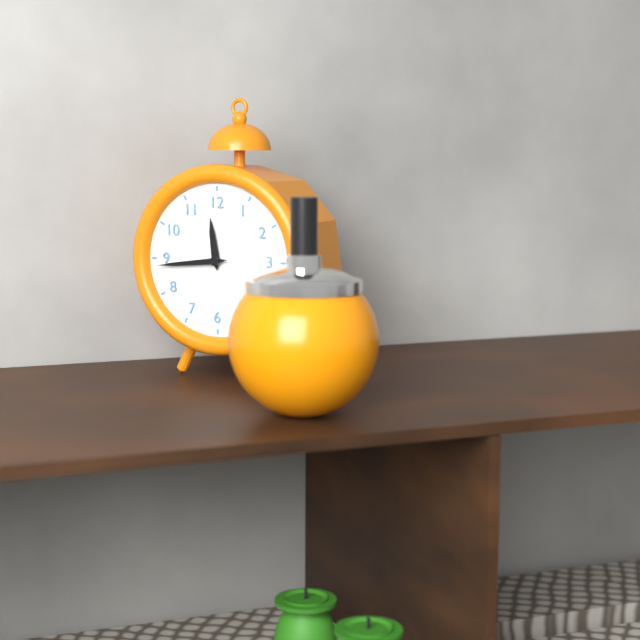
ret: {"hour": 11, "minute": 44}
